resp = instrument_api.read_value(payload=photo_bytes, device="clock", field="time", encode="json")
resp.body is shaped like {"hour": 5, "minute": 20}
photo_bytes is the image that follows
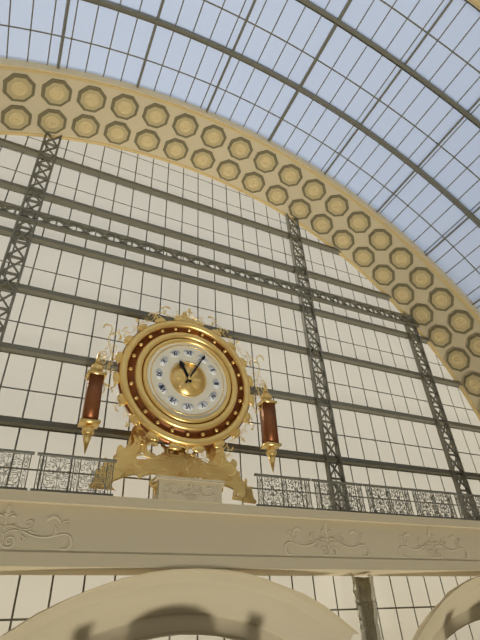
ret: {"hour": 11, "minute": 5}
